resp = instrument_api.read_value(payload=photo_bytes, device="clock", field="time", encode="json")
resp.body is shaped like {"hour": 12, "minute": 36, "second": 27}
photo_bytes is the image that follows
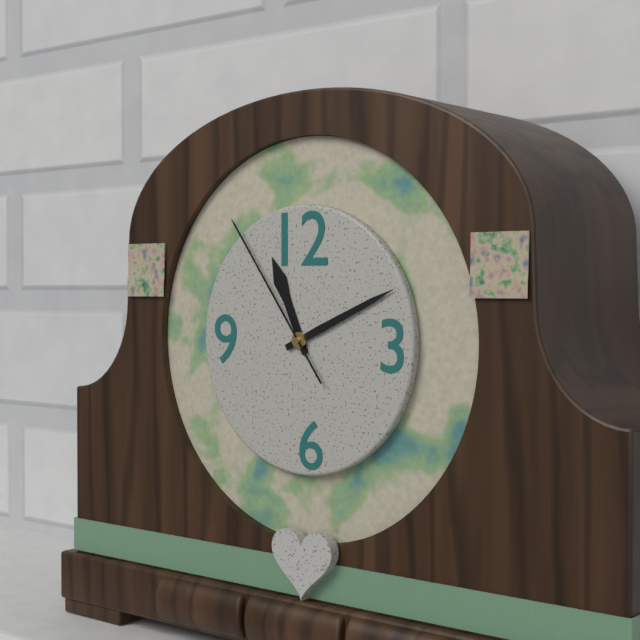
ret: {"hour": 11, "minute": 11, "second": 54}
